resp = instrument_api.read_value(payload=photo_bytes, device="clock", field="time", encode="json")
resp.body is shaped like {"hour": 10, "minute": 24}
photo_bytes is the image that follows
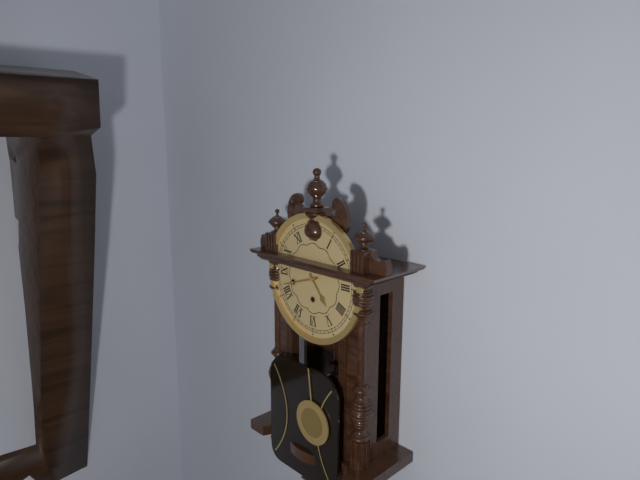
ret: {"hour": 4, "minute": 42}
